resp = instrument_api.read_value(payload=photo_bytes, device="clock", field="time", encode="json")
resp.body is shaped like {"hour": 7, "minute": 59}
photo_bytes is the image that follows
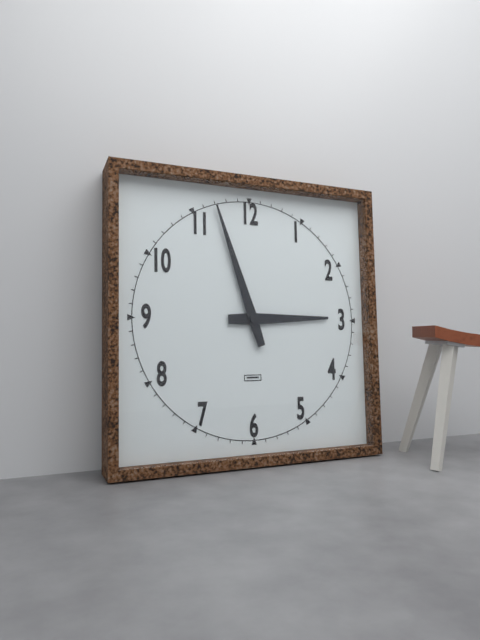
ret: {"hour": 2, "minute": 57}
